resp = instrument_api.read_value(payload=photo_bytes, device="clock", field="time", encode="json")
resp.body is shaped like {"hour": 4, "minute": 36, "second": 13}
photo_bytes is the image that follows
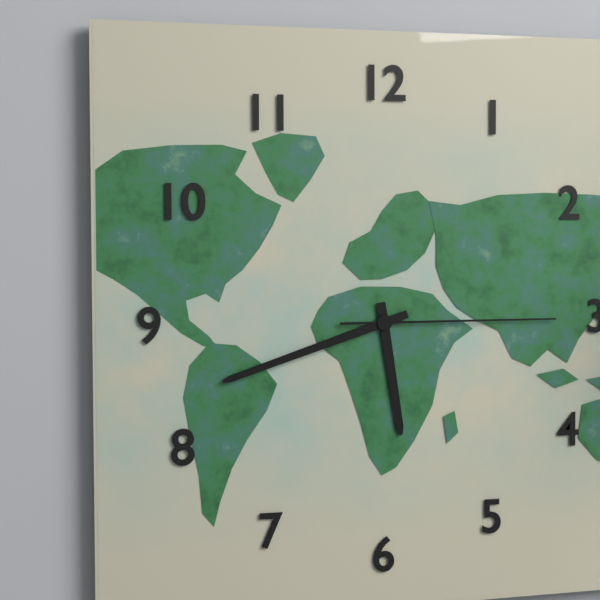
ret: {"hour": 5, "minute": 42, "second": 15}
